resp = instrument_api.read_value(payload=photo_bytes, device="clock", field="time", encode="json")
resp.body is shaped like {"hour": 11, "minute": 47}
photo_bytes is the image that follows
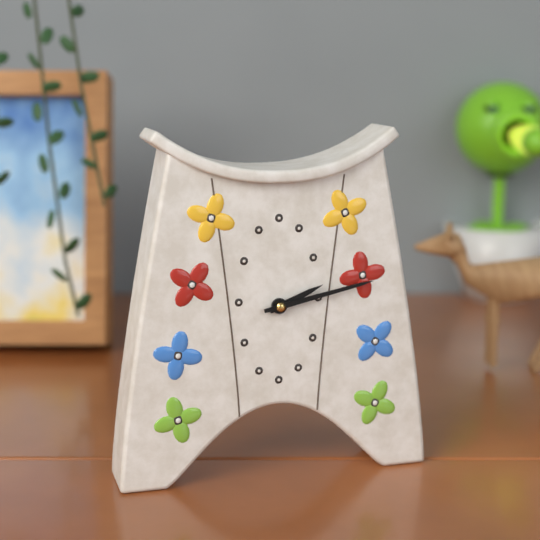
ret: {"hour": 2, "minute": 13}
